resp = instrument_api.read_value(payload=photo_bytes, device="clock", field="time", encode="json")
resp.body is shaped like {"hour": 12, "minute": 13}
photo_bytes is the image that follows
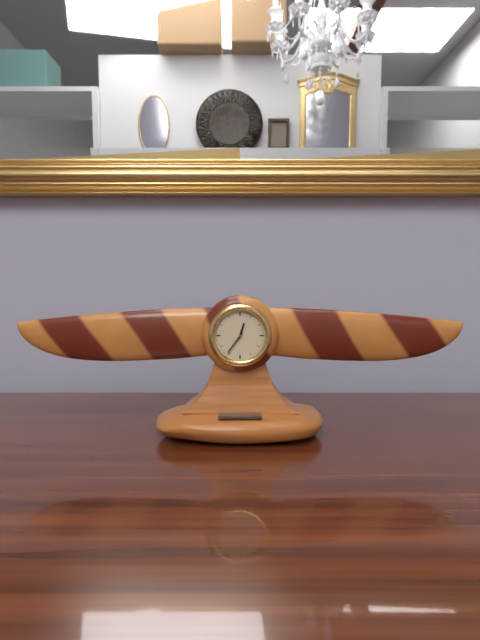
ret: {"hour": 12, "minute": 36}
